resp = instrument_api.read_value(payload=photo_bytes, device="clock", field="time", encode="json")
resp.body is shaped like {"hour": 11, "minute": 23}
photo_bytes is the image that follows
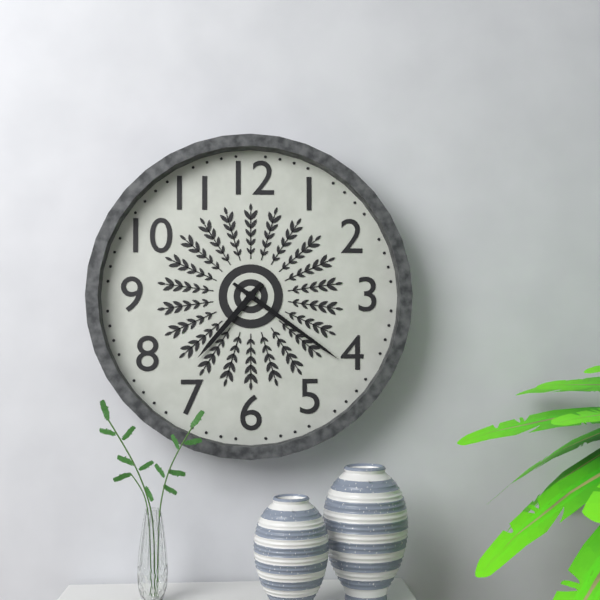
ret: {"hour": 7, "minute": 21}
